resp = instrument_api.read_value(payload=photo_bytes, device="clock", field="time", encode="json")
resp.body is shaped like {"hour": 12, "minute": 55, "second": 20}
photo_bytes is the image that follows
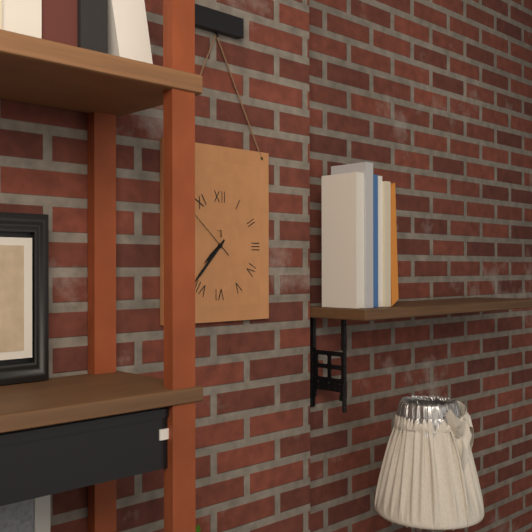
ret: {"hour": 7, "minute": 37, "second": 52}
